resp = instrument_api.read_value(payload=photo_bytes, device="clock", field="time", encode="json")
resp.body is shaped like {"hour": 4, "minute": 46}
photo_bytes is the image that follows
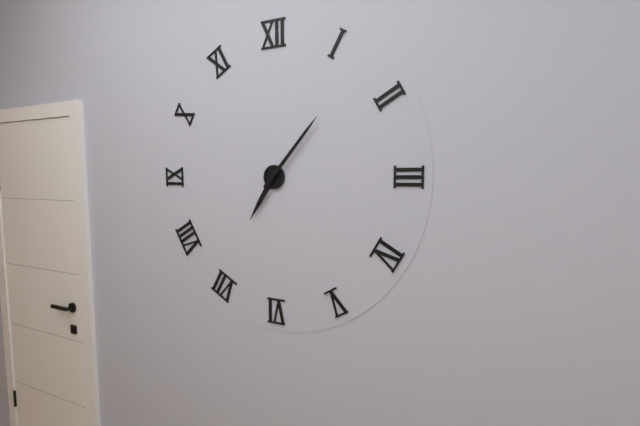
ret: {"hour": 7, "minute": 7}
